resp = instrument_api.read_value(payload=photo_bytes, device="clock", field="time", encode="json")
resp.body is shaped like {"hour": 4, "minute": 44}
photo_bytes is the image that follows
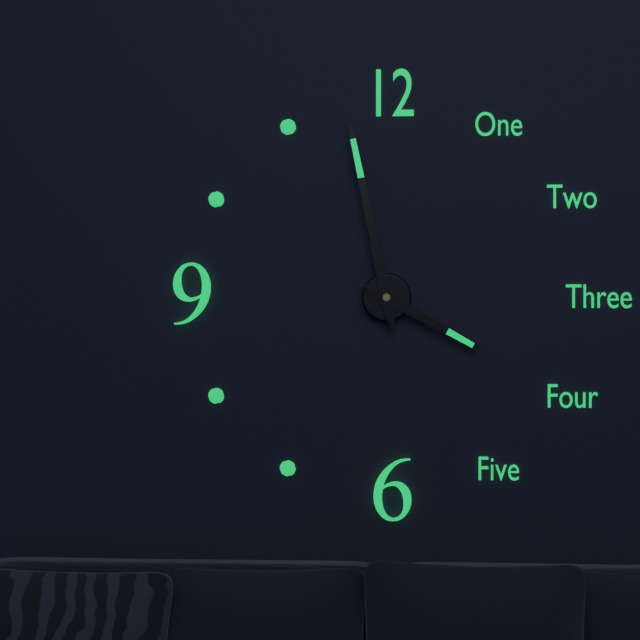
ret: {"hour": 3, "minute": 58}
